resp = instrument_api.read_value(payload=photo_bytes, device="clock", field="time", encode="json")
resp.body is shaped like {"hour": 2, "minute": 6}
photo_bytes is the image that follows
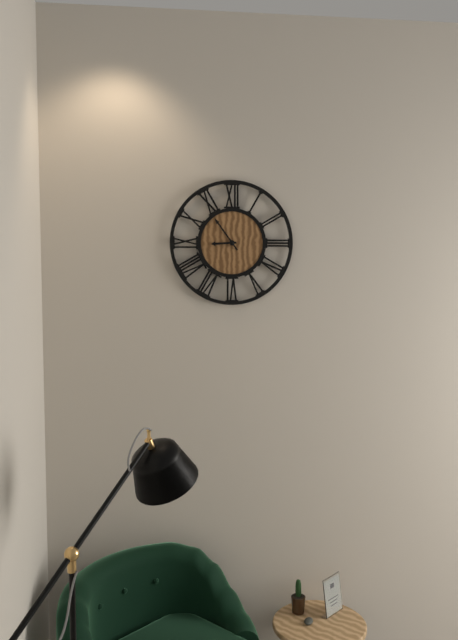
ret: {"hour": 8, "minute": 54}
